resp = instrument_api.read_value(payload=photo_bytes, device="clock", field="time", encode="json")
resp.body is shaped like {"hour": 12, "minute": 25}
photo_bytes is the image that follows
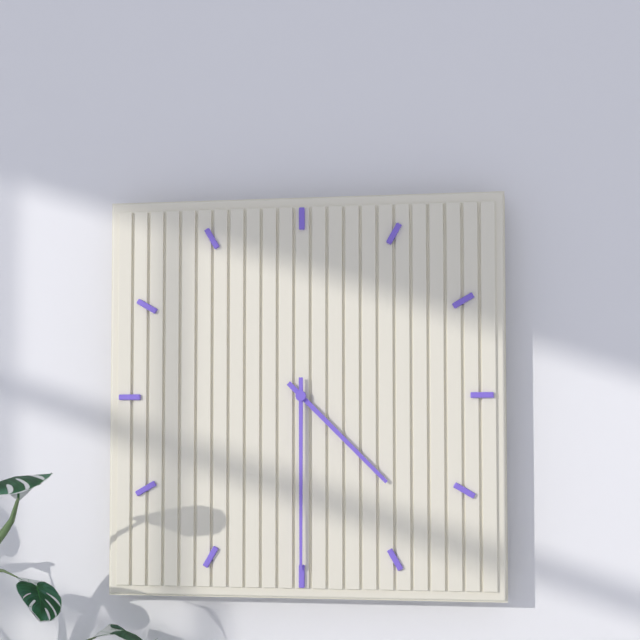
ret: {"hour": 4, "minute": 30}
